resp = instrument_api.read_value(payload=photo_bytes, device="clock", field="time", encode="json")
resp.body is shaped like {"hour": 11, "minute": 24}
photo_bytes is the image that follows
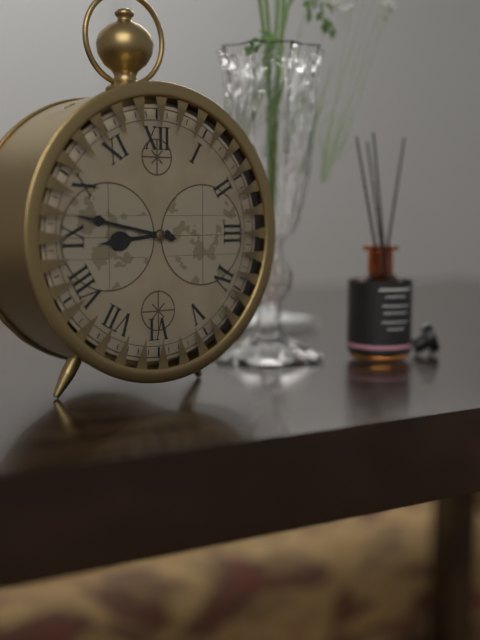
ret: {"hour": 8, "minute": 47}
